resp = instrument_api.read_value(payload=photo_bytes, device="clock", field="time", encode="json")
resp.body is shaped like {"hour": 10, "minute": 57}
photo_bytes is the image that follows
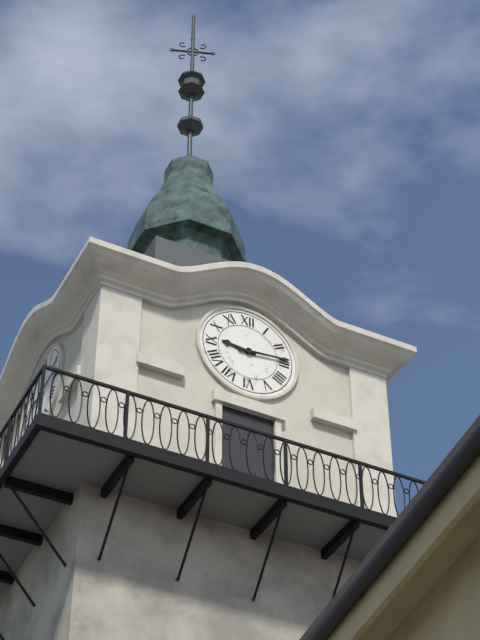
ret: {"hour": 9, "minute": 14}
